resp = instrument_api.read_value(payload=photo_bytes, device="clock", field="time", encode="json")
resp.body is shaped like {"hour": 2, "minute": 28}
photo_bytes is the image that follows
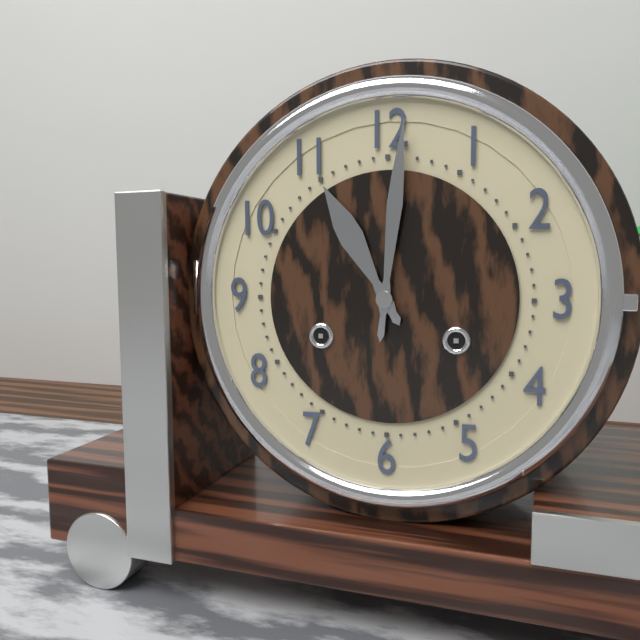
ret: {"hour": 11, "minute": 1}
